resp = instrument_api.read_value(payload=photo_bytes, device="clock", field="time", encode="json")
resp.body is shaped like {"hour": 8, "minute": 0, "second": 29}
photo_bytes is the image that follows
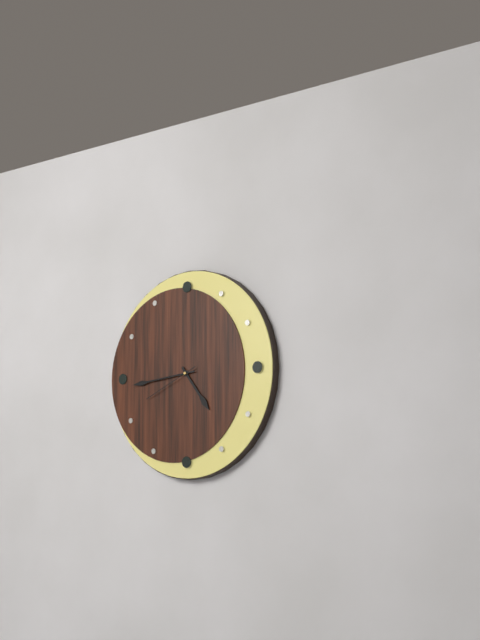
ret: {"hour": 4, "minute": 44, "second": 41}
